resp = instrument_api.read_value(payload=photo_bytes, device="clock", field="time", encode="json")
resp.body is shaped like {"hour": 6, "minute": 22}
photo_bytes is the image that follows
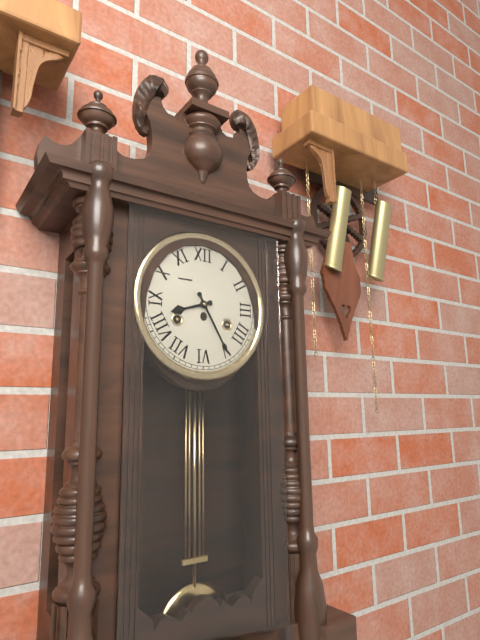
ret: {"hour": 8, "minute": 25}
